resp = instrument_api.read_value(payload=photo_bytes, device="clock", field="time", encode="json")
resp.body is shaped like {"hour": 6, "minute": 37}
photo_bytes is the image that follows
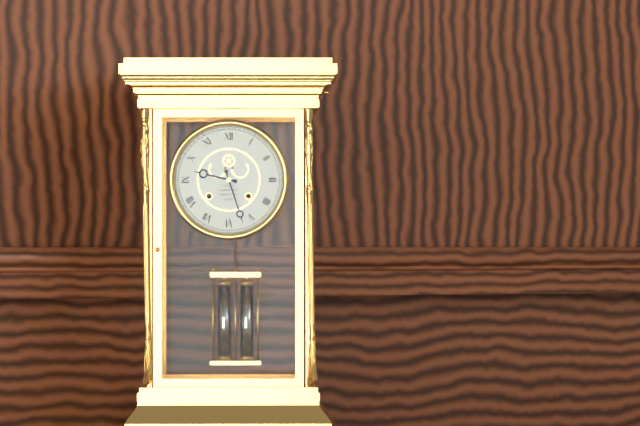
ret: {"hour": 9, "minute": 27}
